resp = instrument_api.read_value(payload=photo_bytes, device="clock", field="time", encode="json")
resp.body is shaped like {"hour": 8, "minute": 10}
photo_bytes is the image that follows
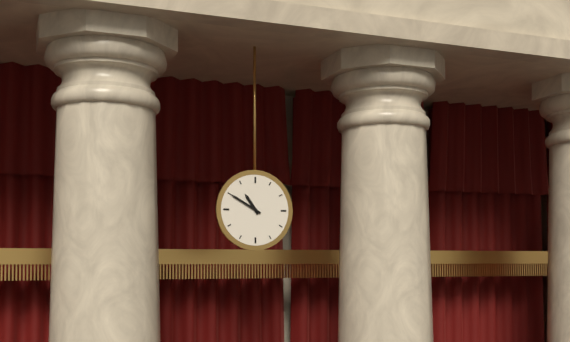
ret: {"hour": 10, "minute": 50}
